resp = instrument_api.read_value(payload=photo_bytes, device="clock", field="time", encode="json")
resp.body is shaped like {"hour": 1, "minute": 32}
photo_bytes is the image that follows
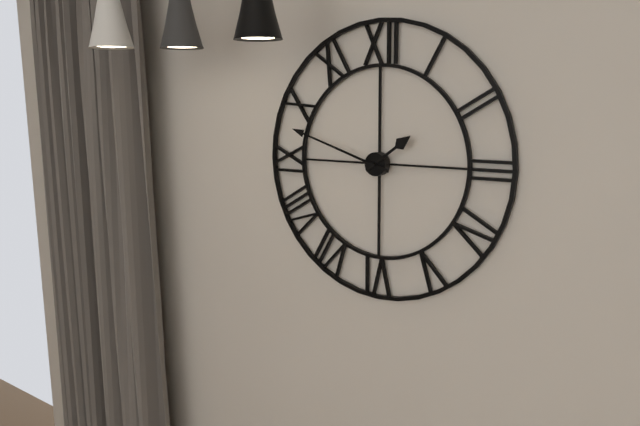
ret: {"hour": 1, "minute": 48}
